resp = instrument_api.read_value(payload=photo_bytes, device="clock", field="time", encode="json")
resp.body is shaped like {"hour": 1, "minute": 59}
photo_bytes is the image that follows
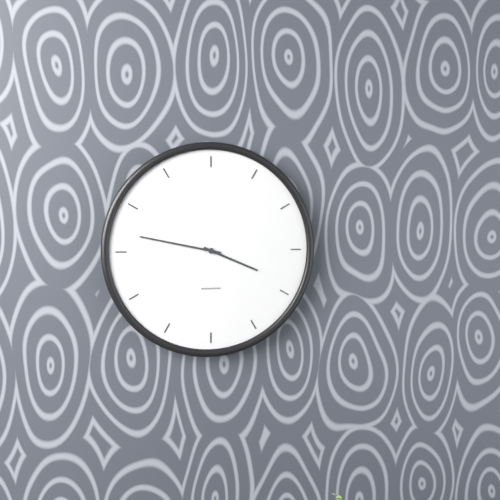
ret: {"hour": 3, "minute": 47}
